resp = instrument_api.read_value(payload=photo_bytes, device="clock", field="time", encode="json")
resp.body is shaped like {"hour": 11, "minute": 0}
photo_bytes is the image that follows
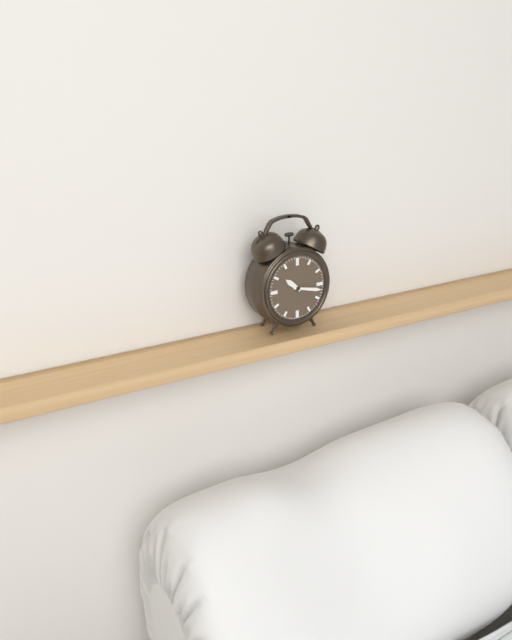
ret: {"hour": 10, "minute": 17}
